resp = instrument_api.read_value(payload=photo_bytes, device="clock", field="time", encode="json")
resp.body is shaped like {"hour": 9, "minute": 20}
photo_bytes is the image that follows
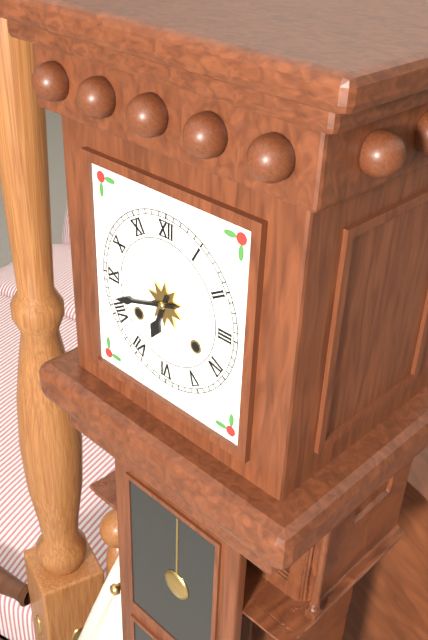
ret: {"hour": 6, "minute": 42}
